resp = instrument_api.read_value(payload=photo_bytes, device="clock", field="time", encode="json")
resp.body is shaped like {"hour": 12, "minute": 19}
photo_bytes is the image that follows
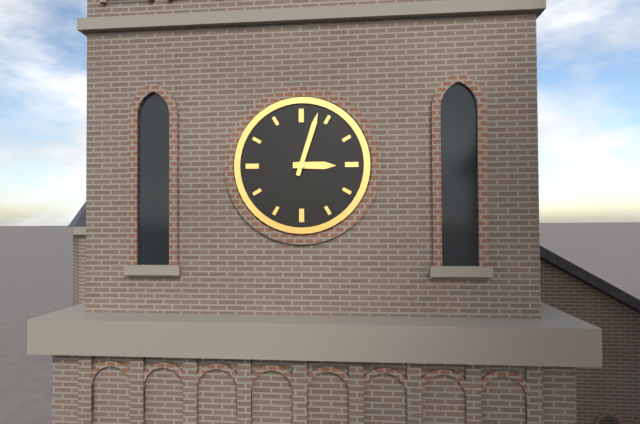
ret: {"hour": 3, "minute": 3}
